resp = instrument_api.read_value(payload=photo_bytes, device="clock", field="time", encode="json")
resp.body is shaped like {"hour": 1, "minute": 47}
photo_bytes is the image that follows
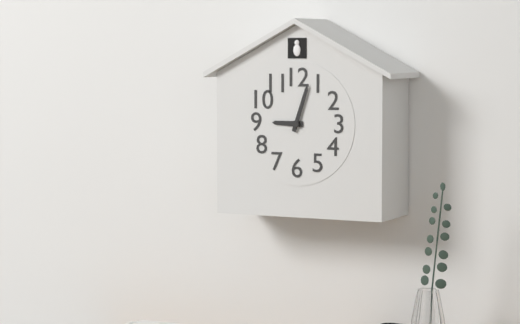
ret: {"hour": 9, "minute": 3}
